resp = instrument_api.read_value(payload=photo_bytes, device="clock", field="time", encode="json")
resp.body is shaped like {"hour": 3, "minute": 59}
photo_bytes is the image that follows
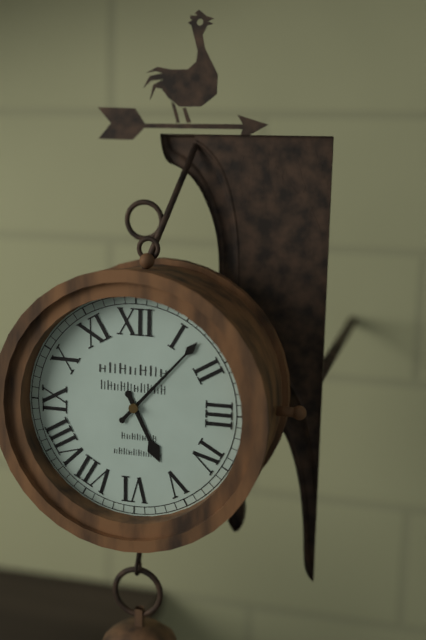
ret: {"hour": 5, "minute": 7}
